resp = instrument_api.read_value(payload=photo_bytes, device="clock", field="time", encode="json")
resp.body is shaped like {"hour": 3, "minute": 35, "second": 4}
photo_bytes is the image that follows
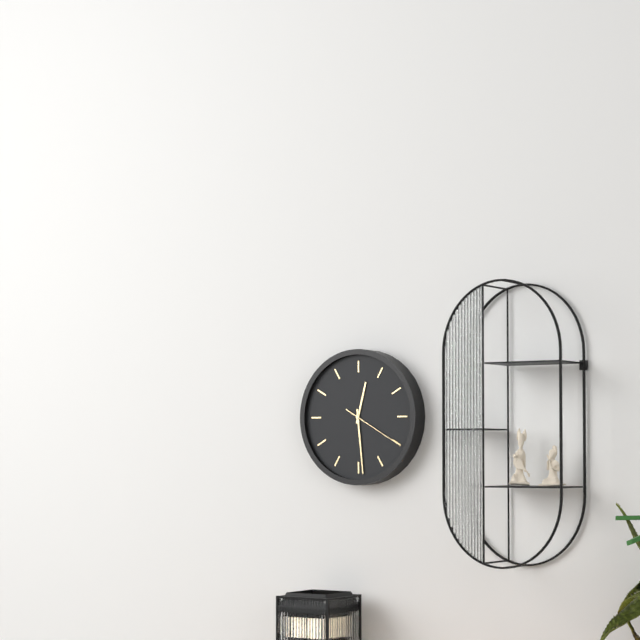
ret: {"hour": 12, "minute": 29, "second": 20}
